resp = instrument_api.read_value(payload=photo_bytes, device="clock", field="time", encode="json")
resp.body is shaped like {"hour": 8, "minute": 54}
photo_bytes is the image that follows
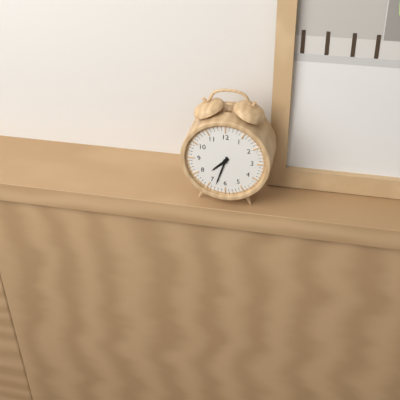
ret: {"hour": 7, "minute": 33}
